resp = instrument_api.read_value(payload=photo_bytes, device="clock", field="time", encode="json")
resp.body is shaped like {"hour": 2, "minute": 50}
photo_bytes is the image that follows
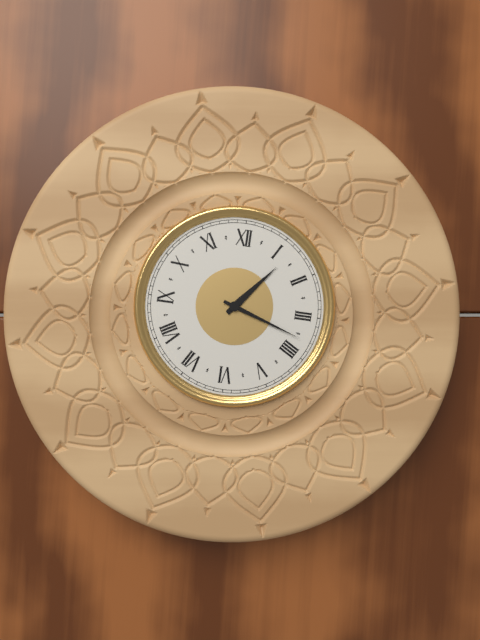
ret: {"hour": 1, "minute": 18}
